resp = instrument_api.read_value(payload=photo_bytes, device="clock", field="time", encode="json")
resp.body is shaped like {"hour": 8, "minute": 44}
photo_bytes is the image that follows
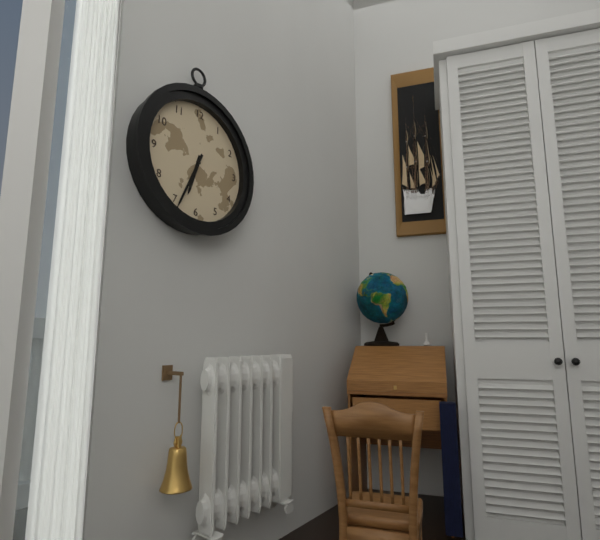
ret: {"hour": 6, "minute": 34}
